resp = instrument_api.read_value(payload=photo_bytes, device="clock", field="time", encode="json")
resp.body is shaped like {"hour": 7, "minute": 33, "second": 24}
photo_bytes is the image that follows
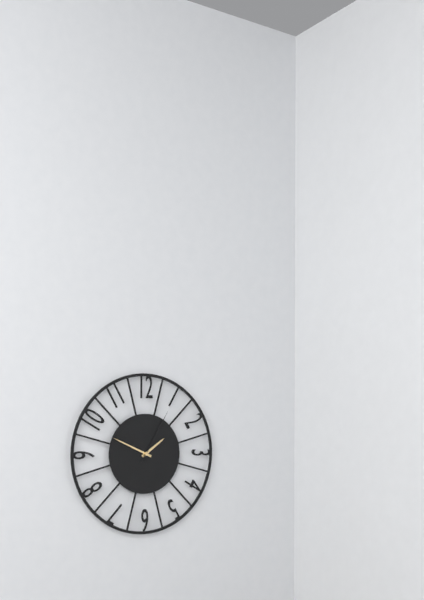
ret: {"hour": 1, "minute": 49, "second": 5}
